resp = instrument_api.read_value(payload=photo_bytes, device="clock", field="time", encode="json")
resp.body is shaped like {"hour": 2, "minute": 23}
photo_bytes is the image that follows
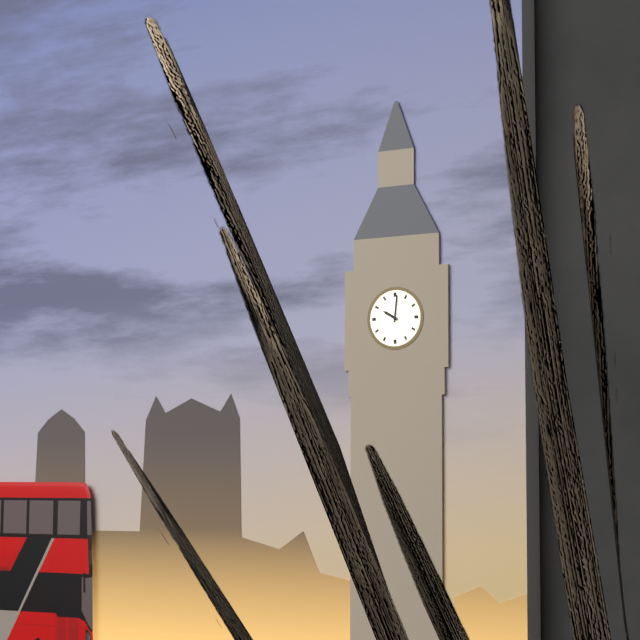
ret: {"hour": 10, "minute": 1}
